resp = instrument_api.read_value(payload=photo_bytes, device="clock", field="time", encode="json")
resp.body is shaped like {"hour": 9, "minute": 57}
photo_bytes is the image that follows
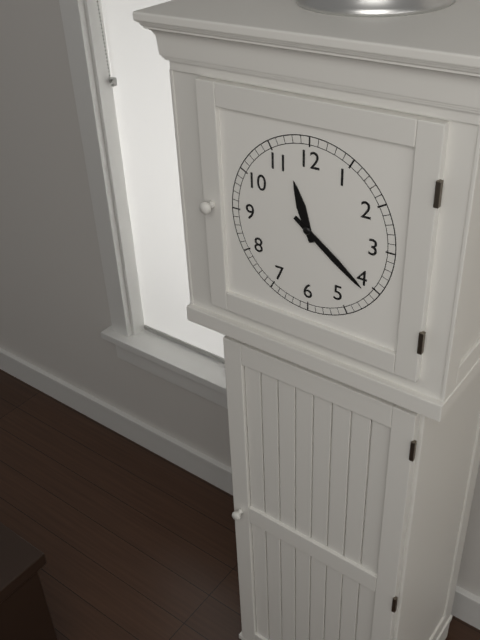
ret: {"hour": 11, "minute": 21}
